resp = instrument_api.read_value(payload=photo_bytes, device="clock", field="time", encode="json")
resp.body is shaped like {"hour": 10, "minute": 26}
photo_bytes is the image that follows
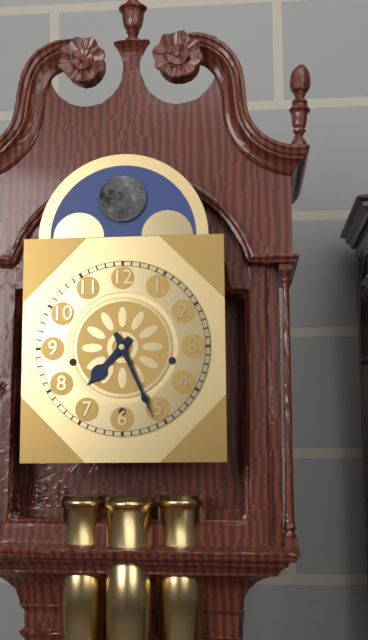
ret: {"hour": 7, "minute": 26}
